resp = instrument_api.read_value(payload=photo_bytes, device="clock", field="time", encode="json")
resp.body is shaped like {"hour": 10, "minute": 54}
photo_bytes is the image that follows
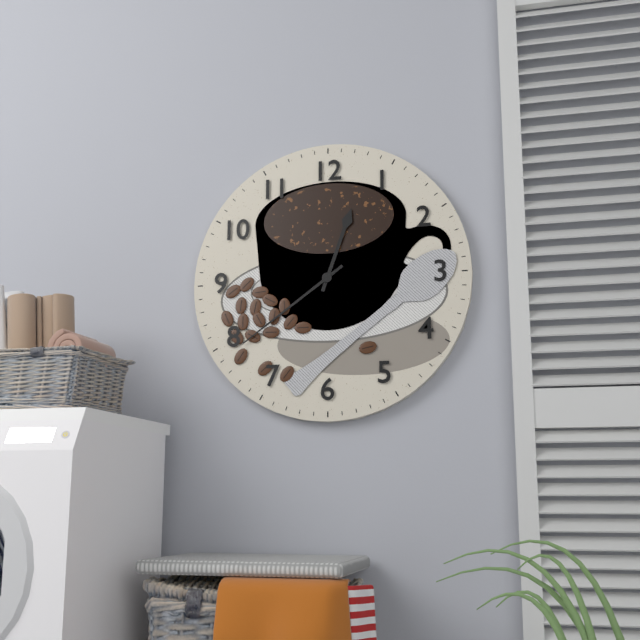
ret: {"hour": 12, "minute": 39}
